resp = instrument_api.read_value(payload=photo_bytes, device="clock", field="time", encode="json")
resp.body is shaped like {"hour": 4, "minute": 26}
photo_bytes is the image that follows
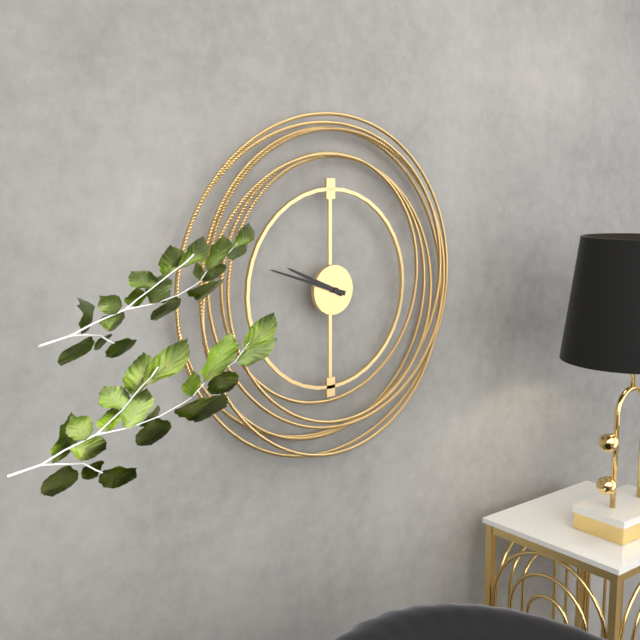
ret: {"hour": 9, "minute": 48}
